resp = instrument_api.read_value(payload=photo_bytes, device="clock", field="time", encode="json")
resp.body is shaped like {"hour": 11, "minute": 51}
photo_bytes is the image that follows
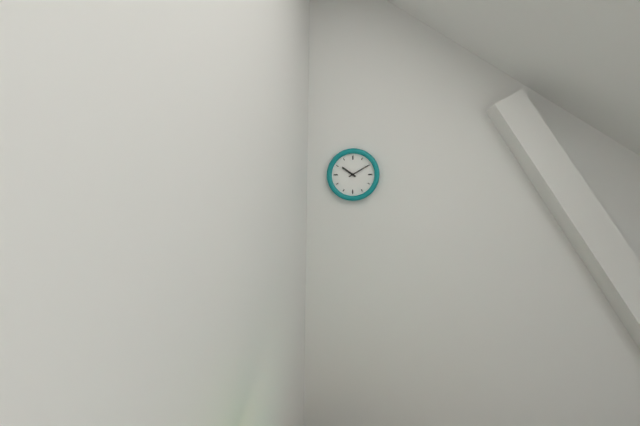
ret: {"hour": 10, "minute": 10}
